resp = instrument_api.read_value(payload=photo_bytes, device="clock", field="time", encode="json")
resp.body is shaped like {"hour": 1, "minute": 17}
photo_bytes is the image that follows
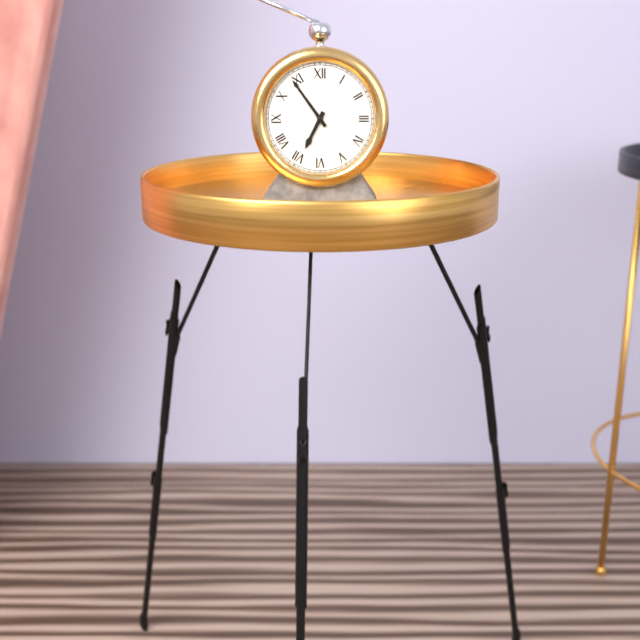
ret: {"hour": 6, "minute": 54}
